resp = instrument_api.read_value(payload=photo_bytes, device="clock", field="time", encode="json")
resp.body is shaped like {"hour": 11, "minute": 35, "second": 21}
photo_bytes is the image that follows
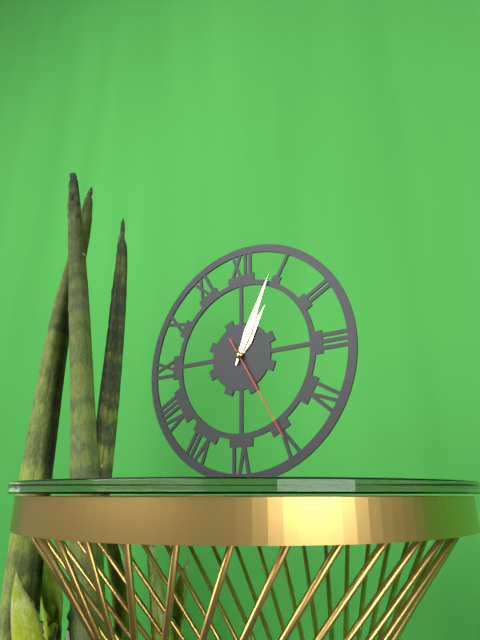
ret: {"hour": 1, "minute": 4, "second": 25}
